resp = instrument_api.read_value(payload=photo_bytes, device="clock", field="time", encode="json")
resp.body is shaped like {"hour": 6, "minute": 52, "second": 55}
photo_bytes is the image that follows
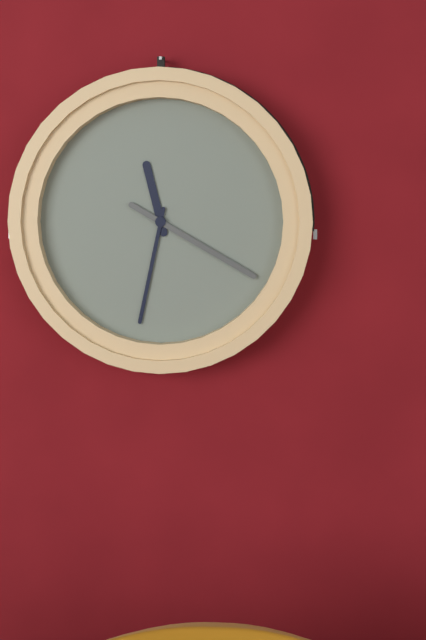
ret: {"hour": 11, "minute": 32, "second": 20}
